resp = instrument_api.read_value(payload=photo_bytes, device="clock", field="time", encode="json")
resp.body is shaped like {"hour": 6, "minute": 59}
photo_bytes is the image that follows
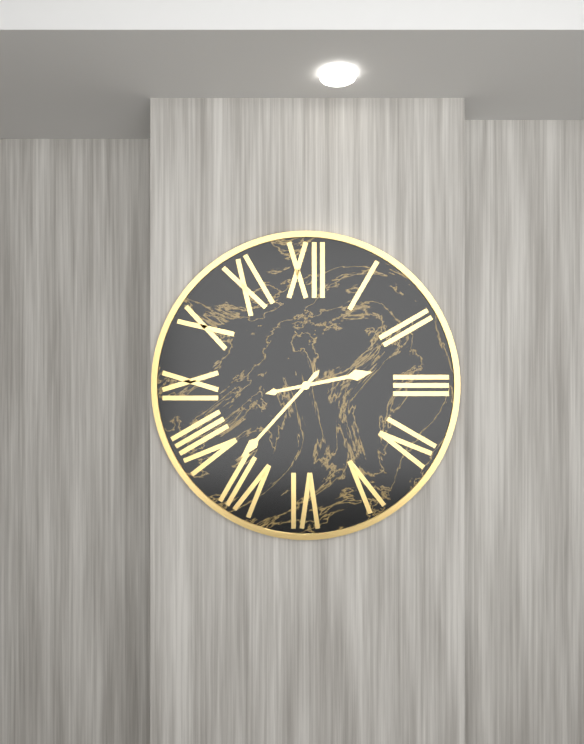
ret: {"hour": 2, "minute": 37}
